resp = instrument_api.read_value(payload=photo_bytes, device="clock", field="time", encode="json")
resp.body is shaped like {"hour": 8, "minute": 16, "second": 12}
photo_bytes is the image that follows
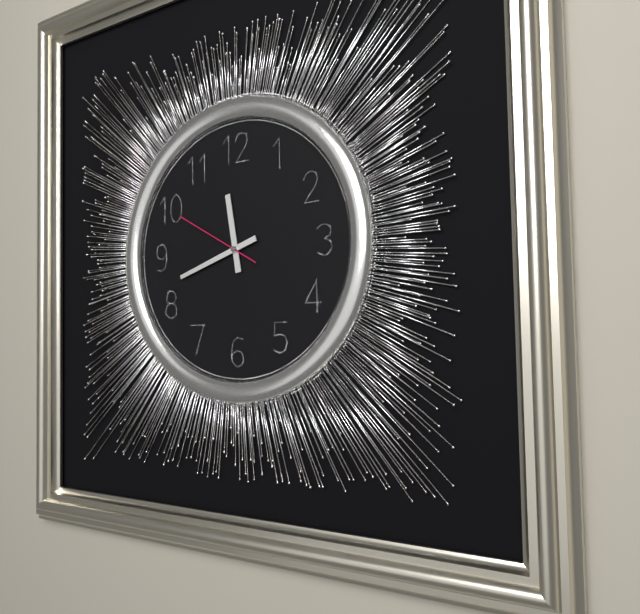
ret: {"hour": 11, "minute": 42, "second": 50}
